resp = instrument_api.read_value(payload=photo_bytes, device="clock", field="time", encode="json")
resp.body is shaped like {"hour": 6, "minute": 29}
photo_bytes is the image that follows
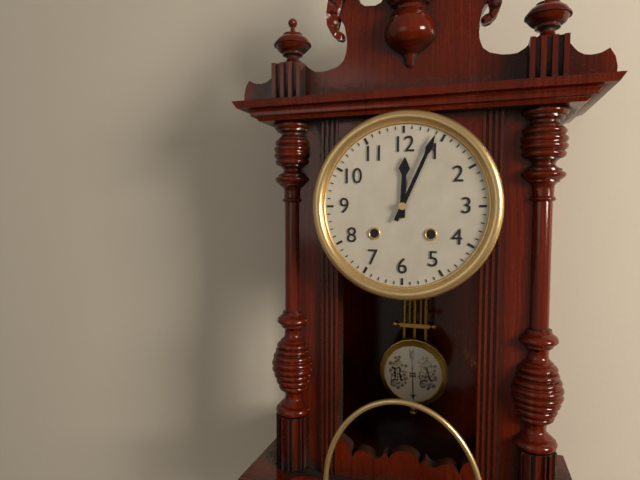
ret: {"hour": 12, "minute": 4}
